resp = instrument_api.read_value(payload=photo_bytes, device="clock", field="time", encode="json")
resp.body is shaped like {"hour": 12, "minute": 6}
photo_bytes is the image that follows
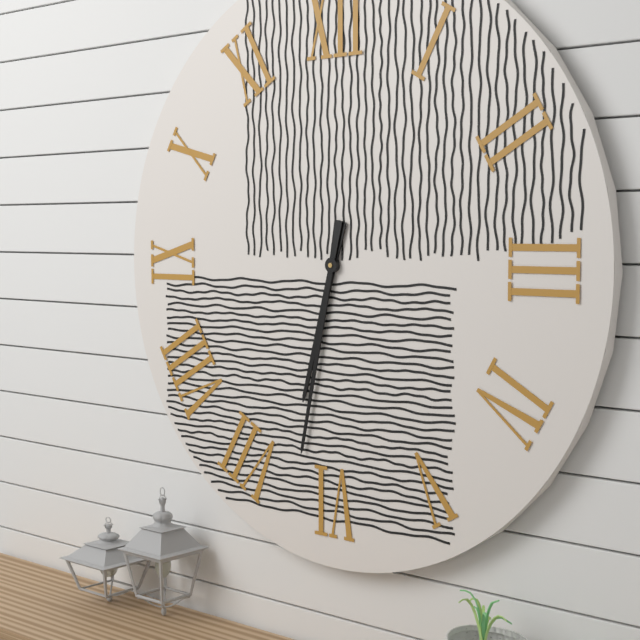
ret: {"hour": 6, "minute": 32}
